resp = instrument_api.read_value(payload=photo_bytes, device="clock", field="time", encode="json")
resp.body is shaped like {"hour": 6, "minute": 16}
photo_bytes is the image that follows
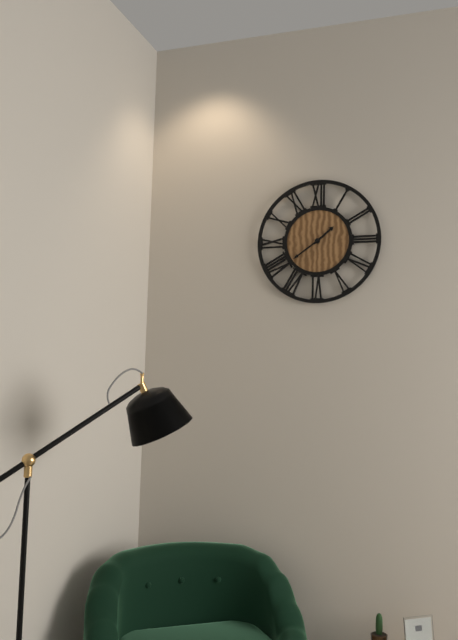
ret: {"hour": 1, "minute": 39}
